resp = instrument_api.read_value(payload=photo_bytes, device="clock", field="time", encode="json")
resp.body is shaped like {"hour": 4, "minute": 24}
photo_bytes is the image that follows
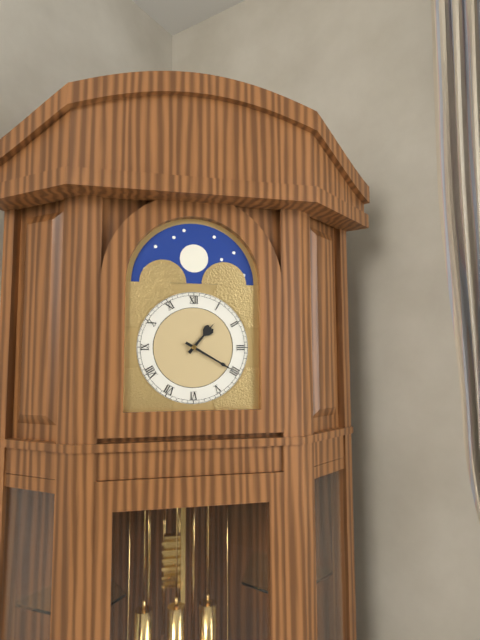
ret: {"hour": 1, "minute": 20}
